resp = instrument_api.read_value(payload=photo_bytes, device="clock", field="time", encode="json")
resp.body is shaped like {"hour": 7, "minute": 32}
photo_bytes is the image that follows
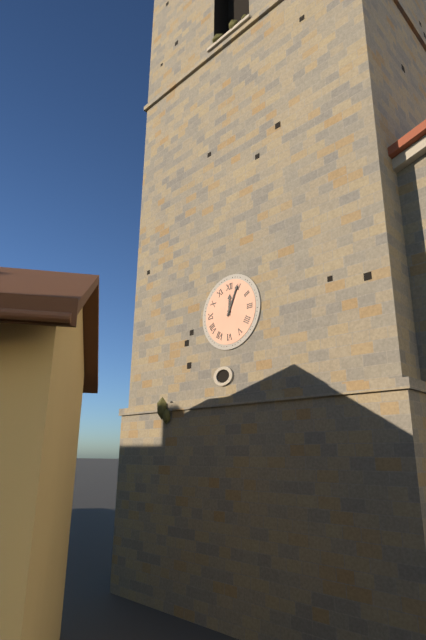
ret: {"hour": 12, "minute": 4}
